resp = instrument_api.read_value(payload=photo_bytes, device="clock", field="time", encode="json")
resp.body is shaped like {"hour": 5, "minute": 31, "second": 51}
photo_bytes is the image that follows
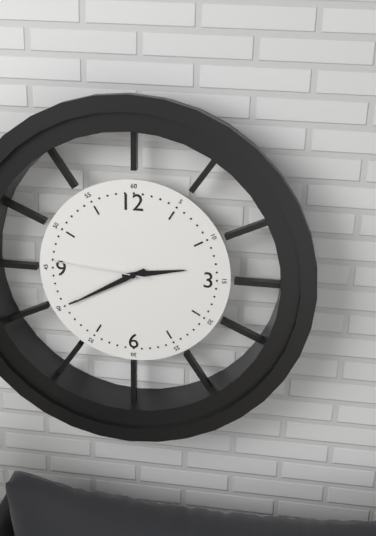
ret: {"hour": 2, "minute": 40, "second": 46}
